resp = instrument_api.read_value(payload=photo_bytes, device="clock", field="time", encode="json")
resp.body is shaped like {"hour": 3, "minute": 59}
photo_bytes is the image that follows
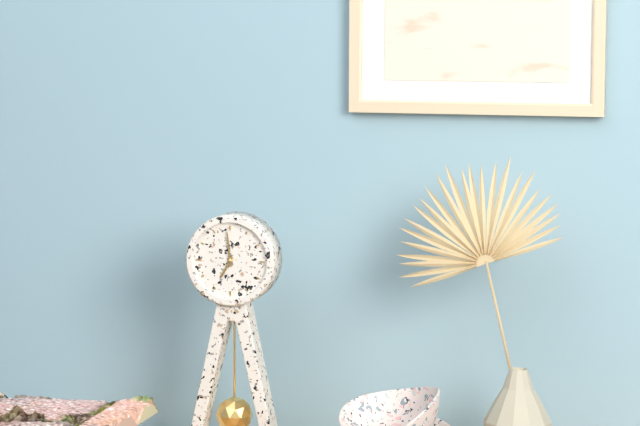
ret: {"hour": 6, "minute": 59}
